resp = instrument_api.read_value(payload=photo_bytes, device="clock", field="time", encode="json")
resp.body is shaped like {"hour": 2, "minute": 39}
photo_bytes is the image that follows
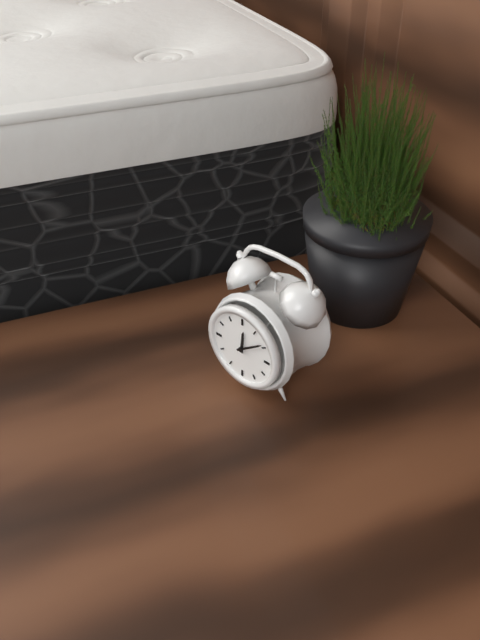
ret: {"hour": 12, "minute": 9}
